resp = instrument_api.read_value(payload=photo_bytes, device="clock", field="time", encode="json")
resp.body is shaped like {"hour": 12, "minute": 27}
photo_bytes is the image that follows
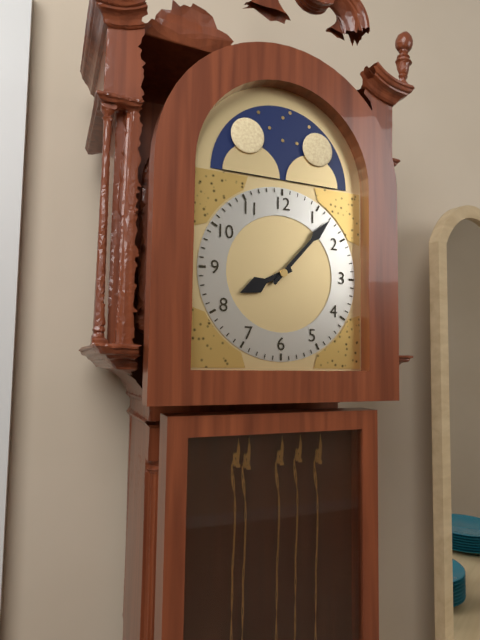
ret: {"hour": 8, "minute": 7}
